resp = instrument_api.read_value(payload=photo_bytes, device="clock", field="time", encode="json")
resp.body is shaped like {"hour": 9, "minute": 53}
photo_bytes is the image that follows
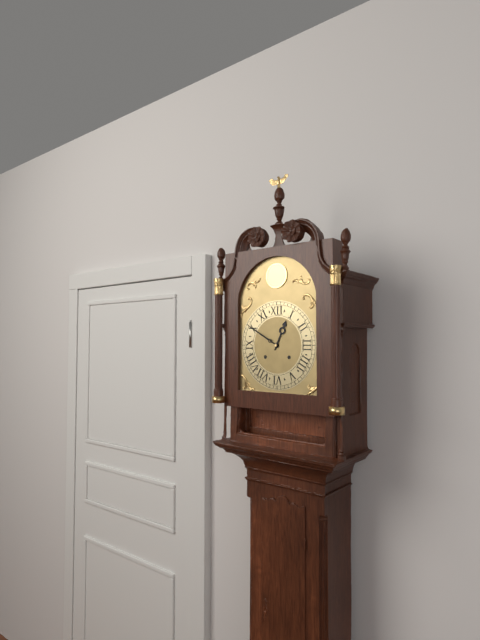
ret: {"hour": 12, "minute": 50}
